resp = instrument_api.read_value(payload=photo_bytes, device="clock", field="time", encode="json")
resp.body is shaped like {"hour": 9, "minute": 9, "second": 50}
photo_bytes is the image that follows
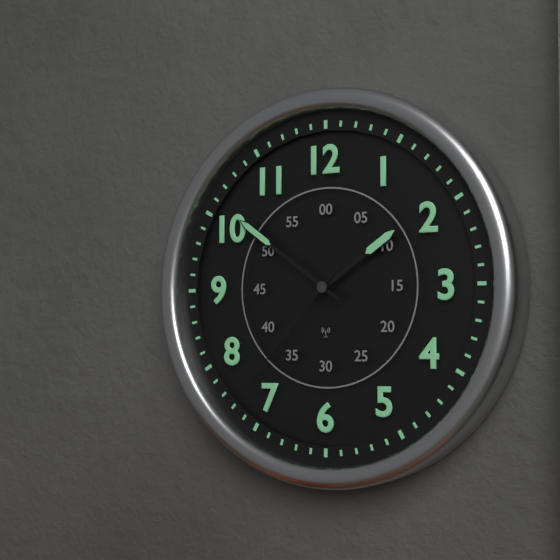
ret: {"hour": 1, "minute": 51, "second": 37}
